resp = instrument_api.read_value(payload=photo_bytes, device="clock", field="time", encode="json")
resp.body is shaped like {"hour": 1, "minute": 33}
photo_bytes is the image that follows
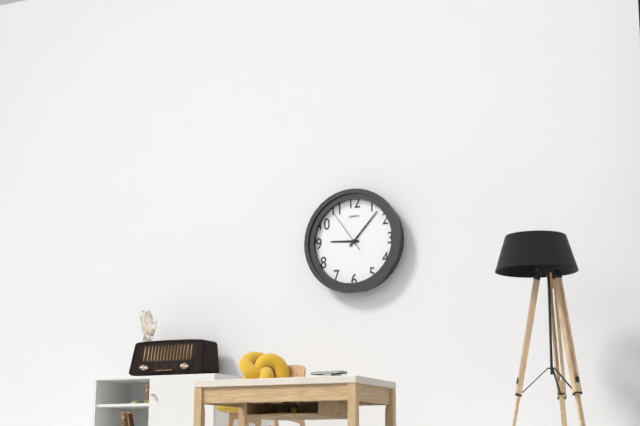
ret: {"hour": 9, "minute": 7}
